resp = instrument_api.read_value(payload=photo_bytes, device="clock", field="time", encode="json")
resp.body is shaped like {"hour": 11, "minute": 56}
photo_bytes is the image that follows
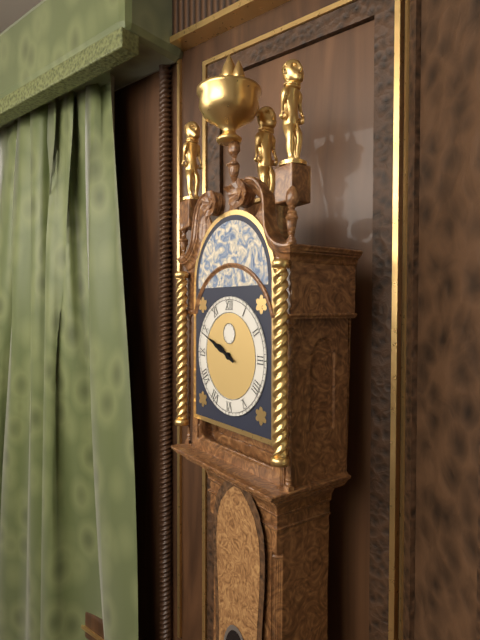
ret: {"hour": 9, "minute": 49}
